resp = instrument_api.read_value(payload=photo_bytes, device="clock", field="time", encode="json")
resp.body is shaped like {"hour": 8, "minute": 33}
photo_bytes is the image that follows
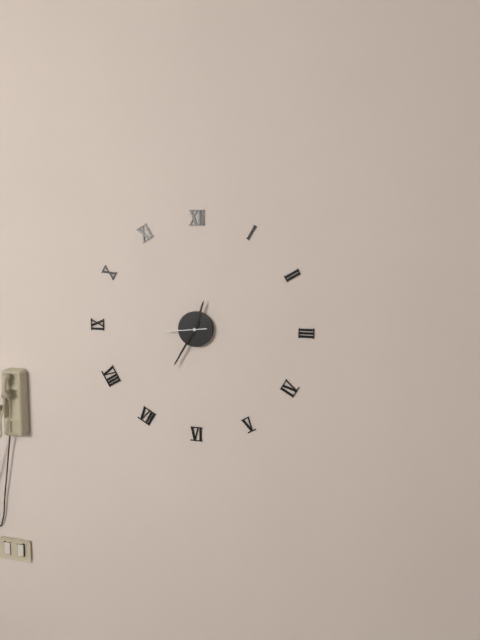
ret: {"hour": 12, "minute": 35}
